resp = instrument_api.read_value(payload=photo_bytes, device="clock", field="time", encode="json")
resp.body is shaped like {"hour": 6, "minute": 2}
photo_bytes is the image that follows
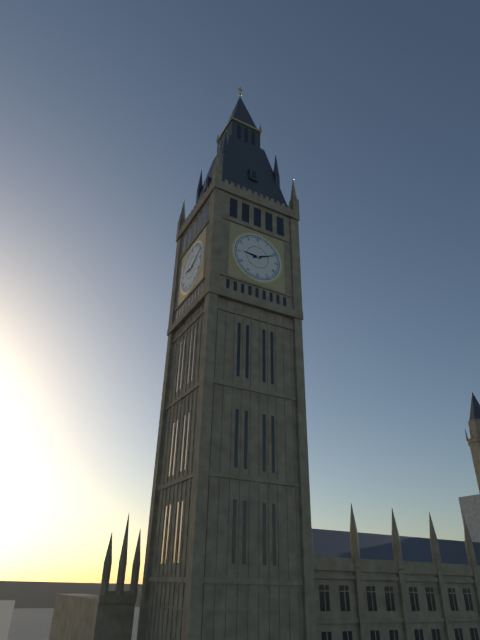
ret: {"hour": 9, "minute": 11}
